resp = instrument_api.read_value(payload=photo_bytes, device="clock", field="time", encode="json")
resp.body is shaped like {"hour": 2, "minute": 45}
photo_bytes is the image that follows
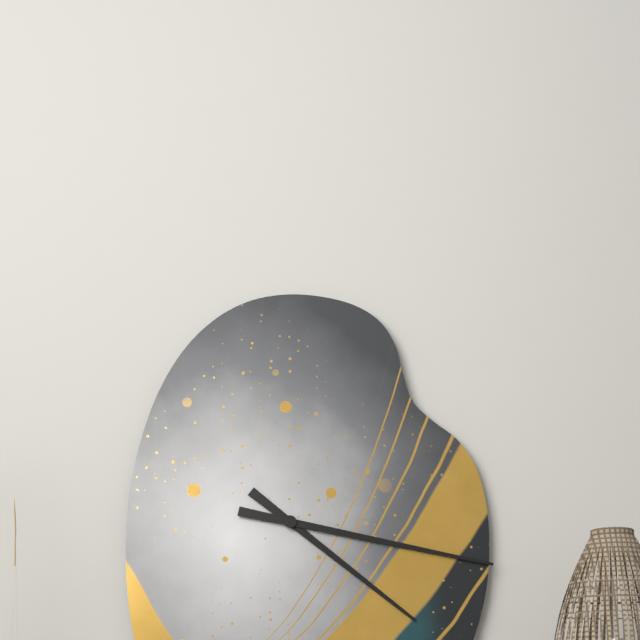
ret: {"hour": 4, "minute": 17}
